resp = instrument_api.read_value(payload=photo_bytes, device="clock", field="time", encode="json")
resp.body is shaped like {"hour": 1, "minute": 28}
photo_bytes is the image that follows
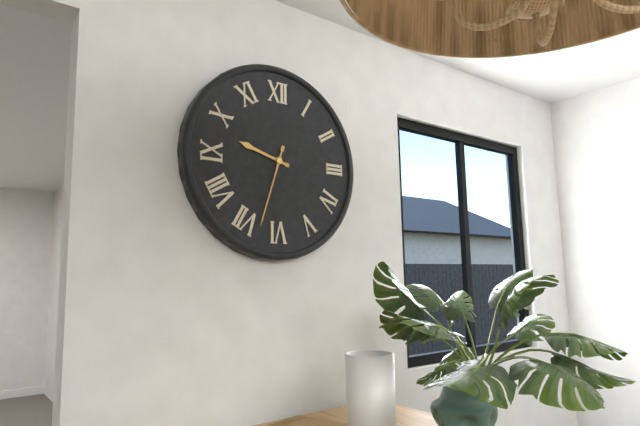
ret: {"hour": 9, "minute": 33}
